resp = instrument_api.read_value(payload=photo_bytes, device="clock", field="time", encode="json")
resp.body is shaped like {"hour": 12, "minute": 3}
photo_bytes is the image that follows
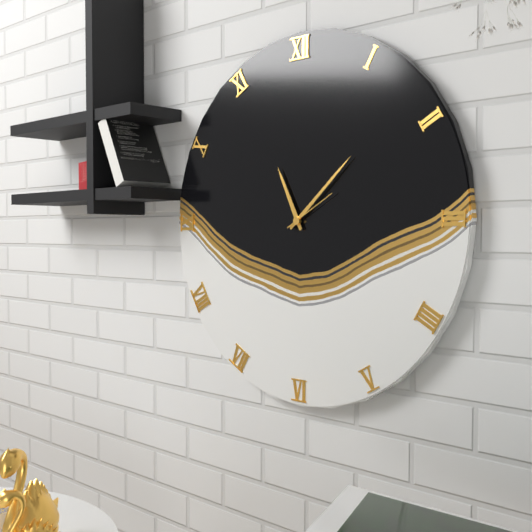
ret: {"hour": 11, "minute": 8}
